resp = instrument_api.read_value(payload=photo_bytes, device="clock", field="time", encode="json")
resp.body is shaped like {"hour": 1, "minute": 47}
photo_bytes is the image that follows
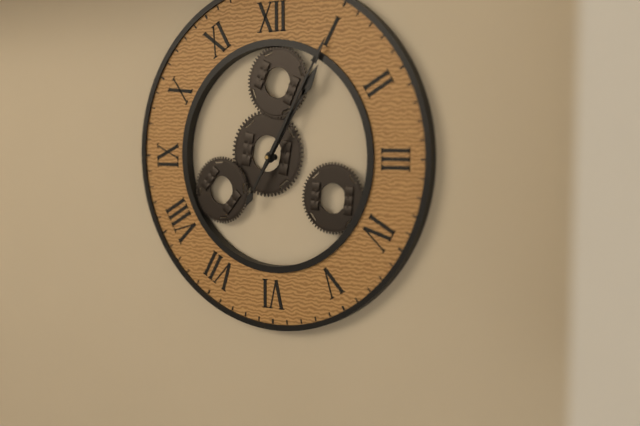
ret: {"hour": 1, "minute": 5}
